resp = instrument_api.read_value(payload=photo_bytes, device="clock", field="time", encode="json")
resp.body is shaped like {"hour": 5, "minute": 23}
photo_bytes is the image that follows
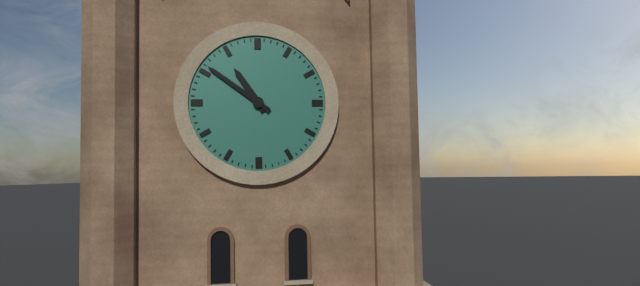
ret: {"hour": 10, "minute": 51}
